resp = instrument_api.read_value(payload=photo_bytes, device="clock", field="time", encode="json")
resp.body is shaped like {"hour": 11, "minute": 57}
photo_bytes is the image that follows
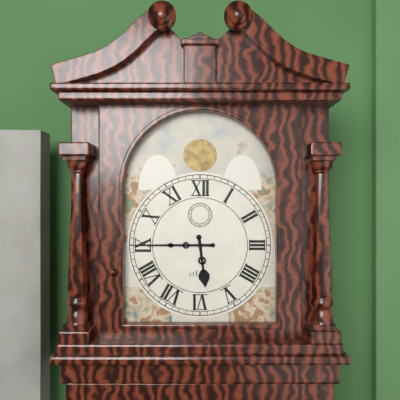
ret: {"hour": 5, "minute": 45}
